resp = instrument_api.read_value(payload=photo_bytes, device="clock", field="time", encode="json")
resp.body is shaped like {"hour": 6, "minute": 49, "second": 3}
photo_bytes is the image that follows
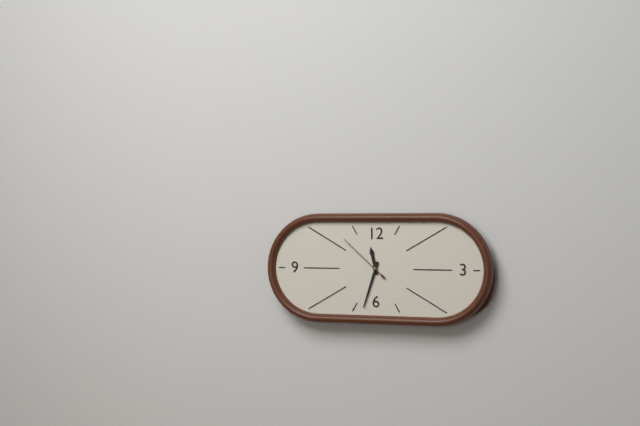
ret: {"hour": 11, "minute": 33, "second": 52}
